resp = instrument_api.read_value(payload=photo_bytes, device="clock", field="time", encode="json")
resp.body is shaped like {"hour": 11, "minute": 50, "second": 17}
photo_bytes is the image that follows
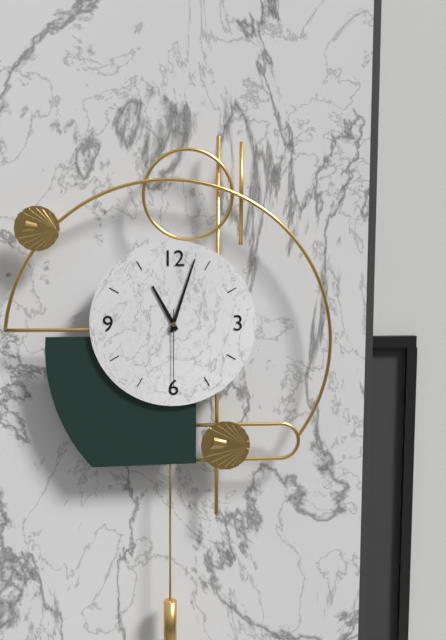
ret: {"hour": 11, "minute": 3, "second": 30}
